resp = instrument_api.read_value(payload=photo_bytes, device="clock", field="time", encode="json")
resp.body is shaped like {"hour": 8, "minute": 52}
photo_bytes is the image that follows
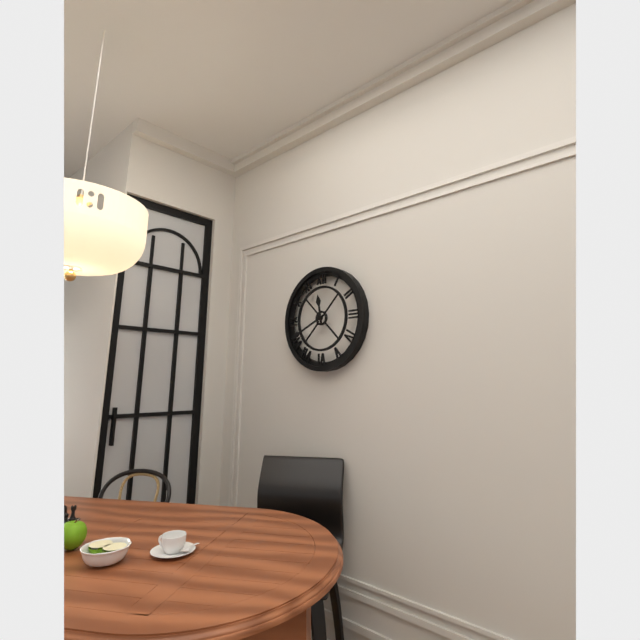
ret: {"hour": 11, "minute": 41}
